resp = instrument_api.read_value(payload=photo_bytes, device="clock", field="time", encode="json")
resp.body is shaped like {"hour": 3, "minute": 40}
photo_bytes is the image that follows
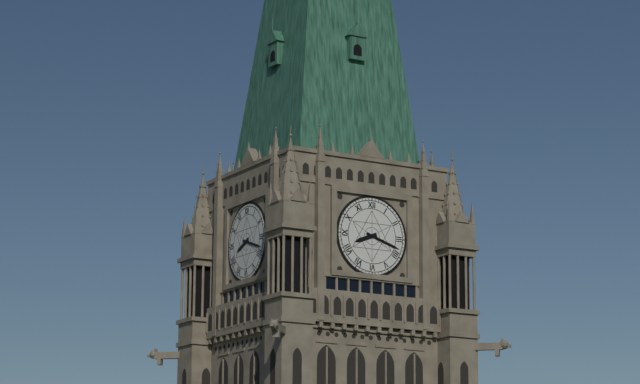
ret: {"hour": 8, "minute": 18}
